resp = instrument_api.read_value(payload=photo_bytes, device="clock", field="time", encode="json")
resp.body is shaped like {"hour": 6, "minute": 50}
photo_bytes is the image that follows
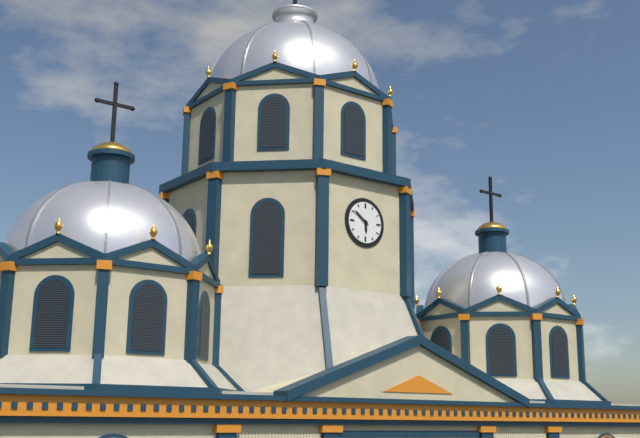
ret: {"hour": 5, "minute": 51}
